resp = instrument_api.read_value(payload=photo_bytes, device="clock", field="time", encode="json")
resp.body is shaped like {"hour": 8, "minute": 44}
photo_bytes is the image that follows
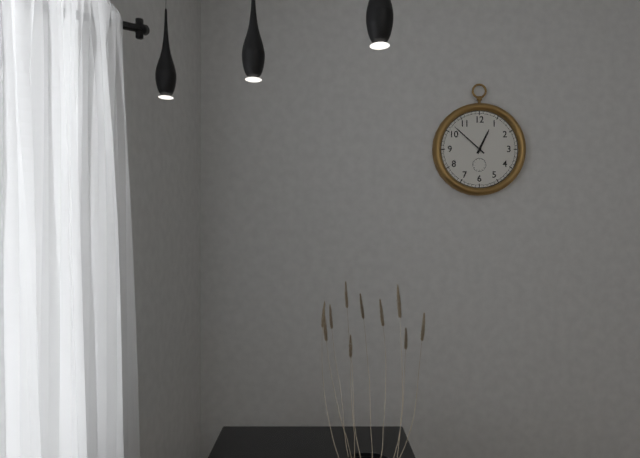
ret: {"hour": 12, "minute": 52}
